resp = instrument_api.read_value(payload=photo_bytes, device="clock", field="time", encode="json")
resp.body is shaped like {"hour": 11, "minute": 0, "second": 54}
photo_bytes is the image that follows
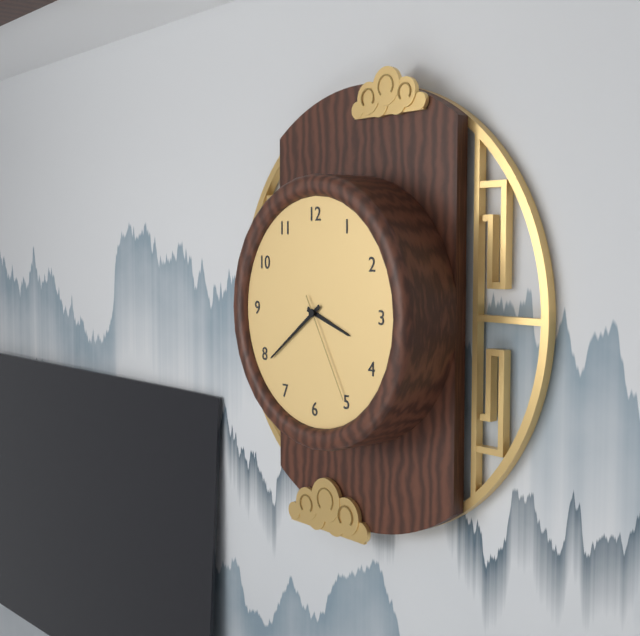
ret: {"hour": 3, "minute": 39, "second": 25}
